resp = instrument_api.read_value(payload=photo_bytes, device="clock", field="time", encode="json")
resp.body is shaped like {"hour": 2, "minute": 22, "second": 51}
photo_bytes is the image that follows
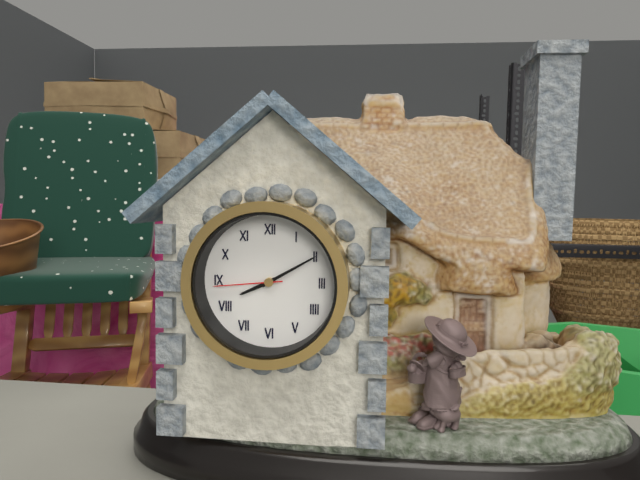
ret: {"hour": 8, "minute": 10, "second": 44}
